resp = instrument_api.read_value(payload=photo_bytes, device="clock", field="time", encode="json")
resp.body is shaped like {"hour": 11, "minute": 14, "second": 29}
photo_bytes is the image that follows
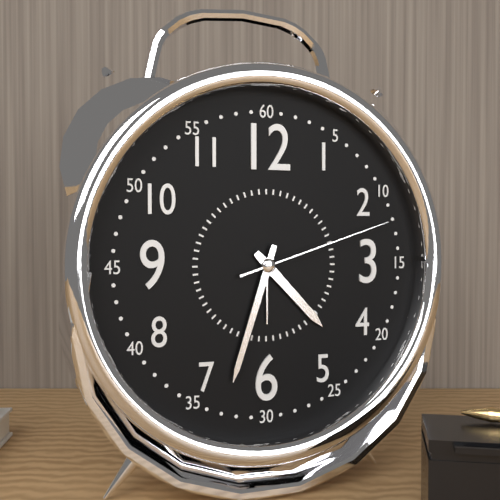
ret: {"hour": 4, "minute": 33, "second": 12}
